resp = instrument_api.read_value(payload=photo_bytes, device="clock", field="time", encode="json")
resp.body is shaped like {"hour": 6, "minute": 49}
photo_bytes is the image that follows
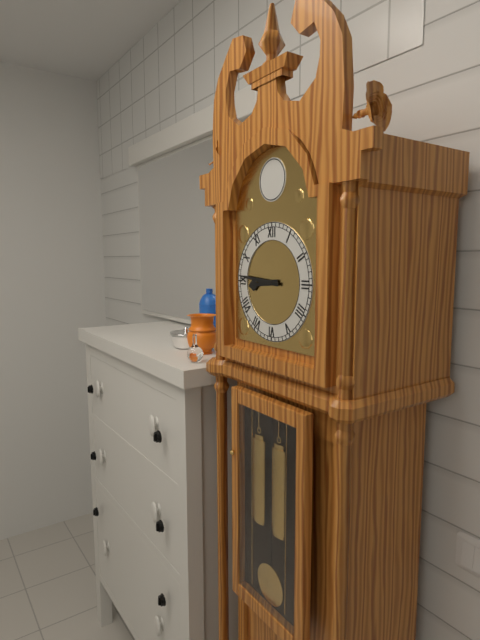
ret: {"hour": 8, "minute": 46}
